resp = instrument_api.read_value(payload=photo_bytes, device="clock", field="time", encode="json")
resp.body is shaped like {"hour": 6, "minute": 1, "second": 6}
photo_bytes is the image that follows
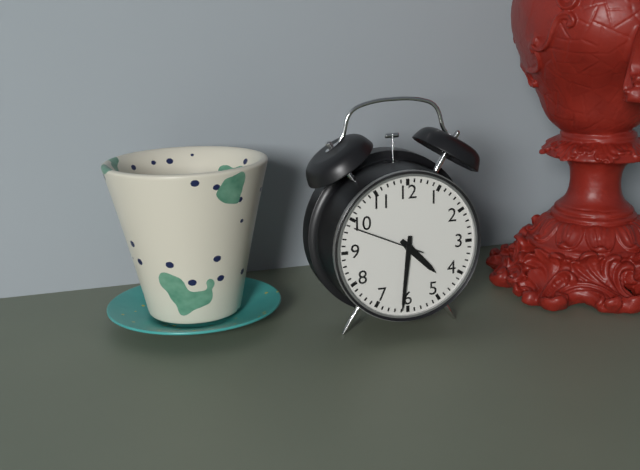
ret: {"hour": 4, "minute": 31, "second": 49}
